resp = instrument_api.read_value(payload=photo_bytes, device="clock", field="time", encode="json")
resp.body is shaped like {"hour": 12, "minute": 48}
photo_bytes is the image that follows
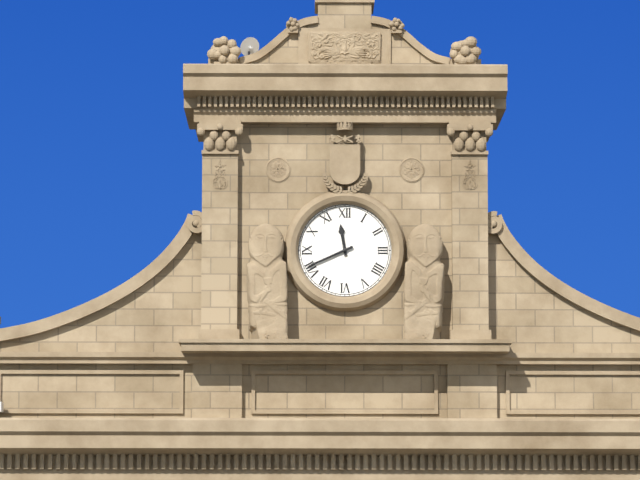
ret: {"hour": 11, "minute": 41}
